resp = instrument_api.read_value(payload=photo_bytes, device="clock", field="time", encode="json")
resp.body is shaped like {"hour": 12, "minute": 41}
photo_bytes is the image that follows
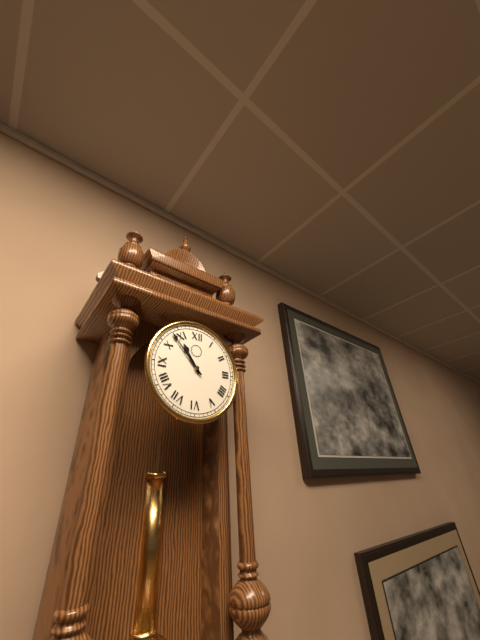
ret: {"hour": 10, "minute": 53}
